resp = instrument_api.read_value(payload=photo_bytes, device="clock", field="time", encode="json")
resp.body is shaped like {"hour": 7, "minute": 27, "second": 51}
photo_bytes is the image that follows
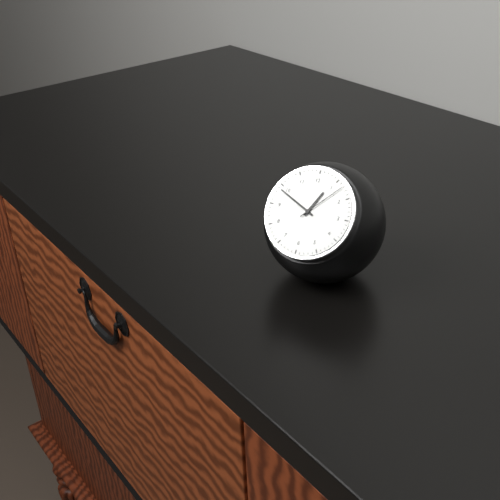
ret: {"hour": 12, "minute": 49, "second": 7}
